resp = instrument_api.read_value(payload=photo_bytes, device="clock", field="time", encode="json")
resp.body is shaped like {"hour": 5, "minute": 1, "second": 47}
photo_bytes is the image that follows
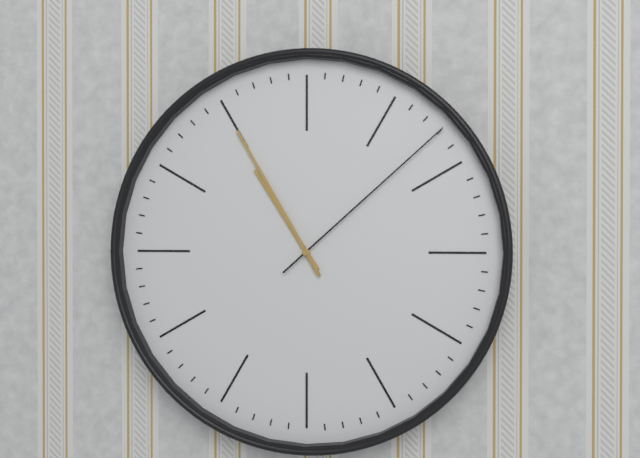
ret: {"hour": 10, "minute": 55, "second": 8}
